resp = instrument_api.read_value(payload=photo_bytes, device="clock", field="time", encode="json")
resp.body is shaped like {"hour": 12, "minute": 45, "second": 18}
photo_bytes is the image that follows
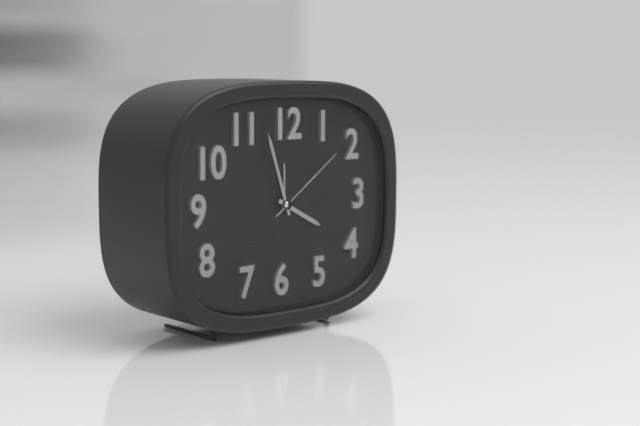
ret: {"hour": 3, "minute": 57, "second": 9}
